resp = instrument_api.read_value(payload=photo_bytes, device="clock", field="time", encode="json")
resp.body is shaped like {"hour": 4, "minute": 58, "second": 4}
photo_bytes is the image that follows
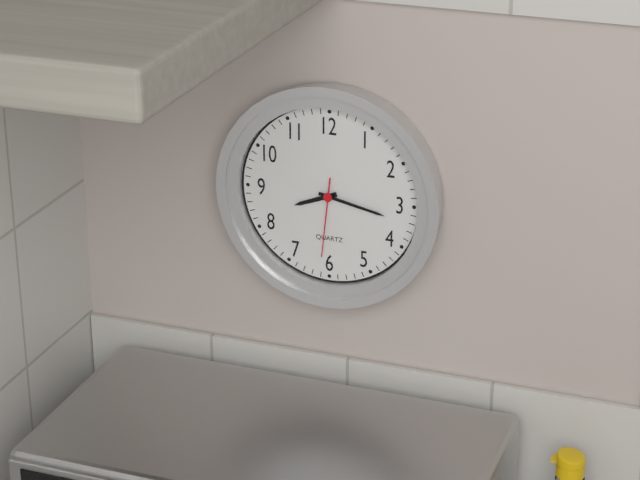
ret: {"hour": 8, "minute": 17, "second": 31}
